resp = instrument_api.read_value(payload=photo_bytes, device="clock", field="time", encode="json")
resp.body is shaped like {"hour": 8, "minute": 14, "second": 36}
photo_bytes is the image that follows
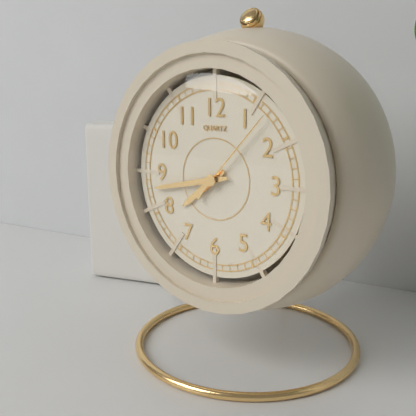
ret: {"hour": 7, "minute": 43, "second": 7}
